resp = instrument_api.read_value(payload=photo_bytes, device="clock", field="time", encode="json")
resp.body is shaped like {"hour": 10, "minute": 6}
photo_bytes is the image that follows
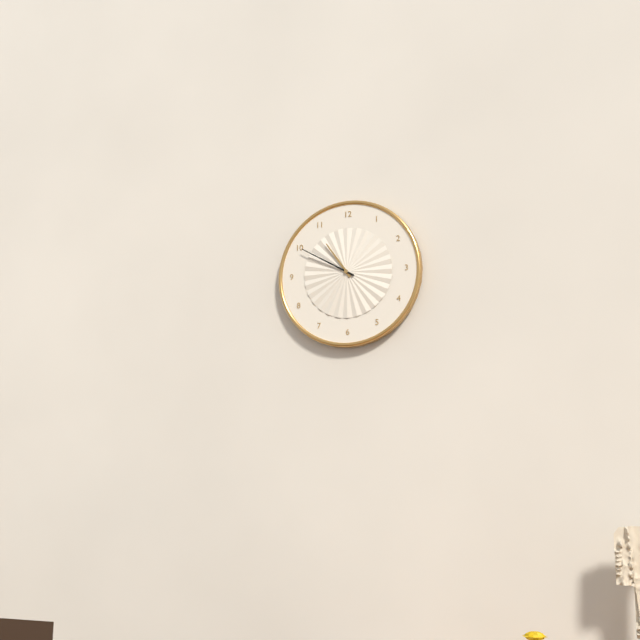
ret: {"hour": 10, "minute": 50}
